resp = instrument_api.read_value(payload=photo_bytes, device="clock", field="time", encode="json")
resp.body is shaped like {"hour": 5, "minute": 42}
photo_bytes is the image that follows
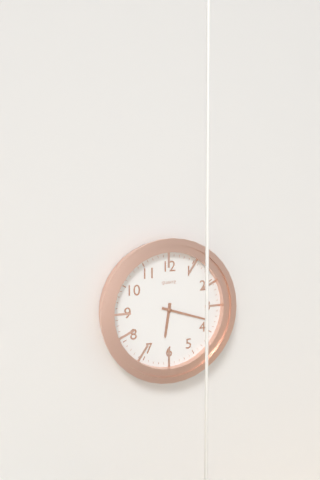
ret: {"hour": 6, "minute": 18}
